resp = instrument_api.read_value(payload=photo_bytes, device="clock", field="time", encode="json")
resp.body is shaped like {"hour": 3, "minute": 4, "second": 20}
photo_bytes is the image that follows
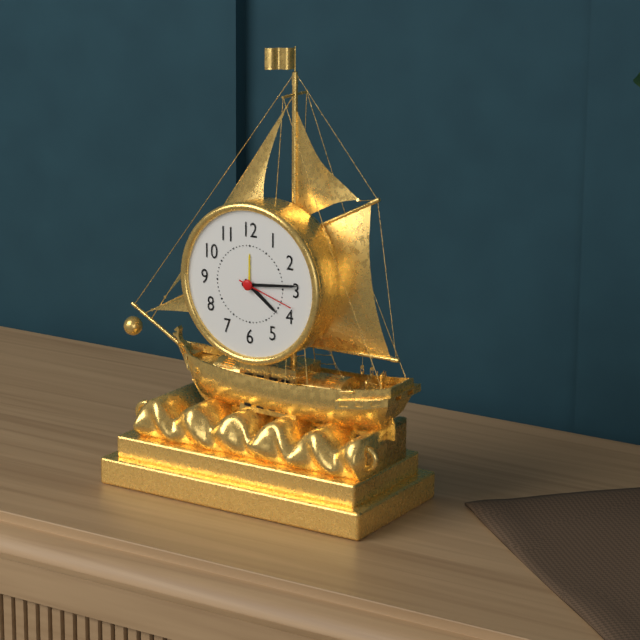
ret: {"hour": 4, "minute": 14, "second": 18}
